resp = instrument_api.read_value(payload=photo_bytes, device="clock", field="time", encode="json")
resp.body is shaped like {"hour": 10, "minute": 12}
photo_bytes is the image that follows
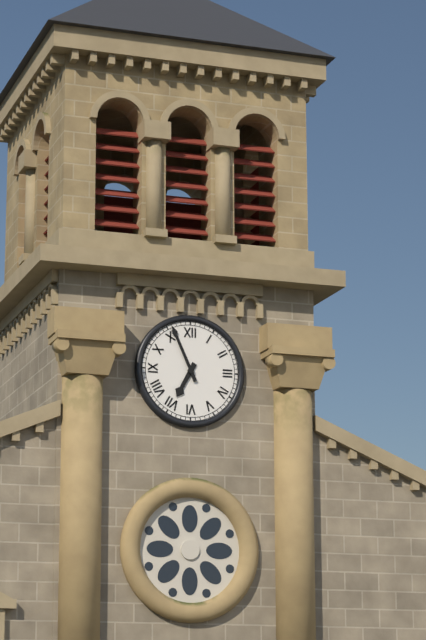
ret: {"hour": 6, "minute": 56}
